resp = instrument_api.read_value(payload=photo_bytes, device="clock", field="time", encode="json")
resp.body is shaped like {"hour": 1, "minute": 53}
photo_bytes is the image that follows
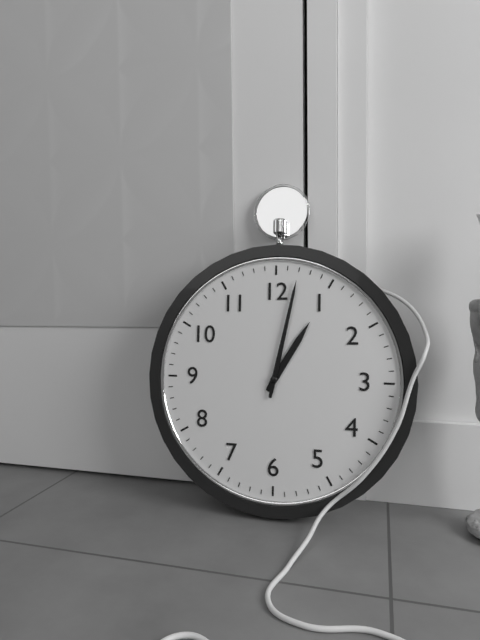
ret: {"hour": 1, "minute": 2}
